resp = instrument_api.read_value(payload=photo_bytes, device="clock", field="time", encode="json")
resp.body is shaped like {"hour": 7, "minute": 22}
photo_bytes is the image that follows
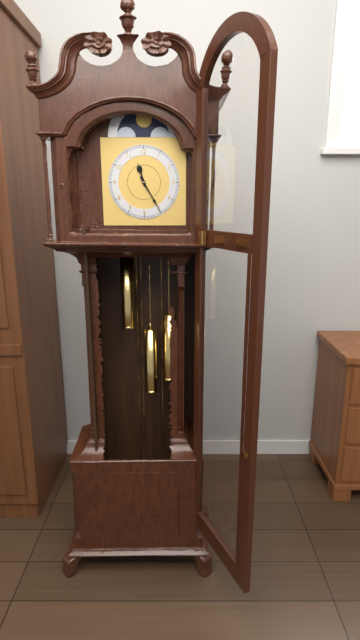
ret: {"hour": 11, "minute": 25}
